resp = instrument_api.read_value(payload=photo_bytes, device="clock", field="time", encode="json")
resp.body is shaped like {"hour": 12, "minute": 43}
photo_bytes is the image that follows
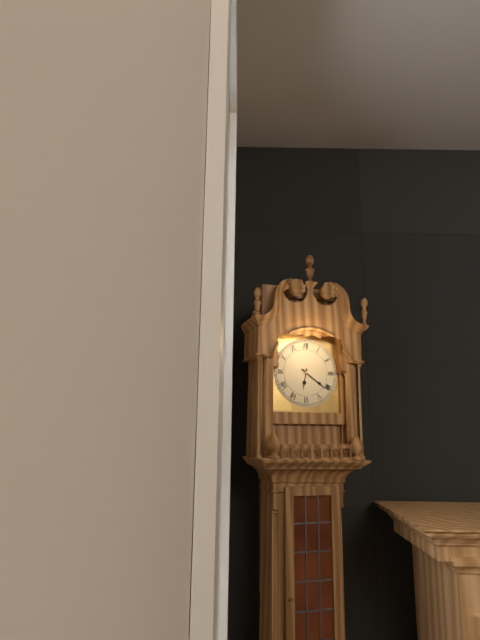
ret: {"hour": 6, "minute": 21}
